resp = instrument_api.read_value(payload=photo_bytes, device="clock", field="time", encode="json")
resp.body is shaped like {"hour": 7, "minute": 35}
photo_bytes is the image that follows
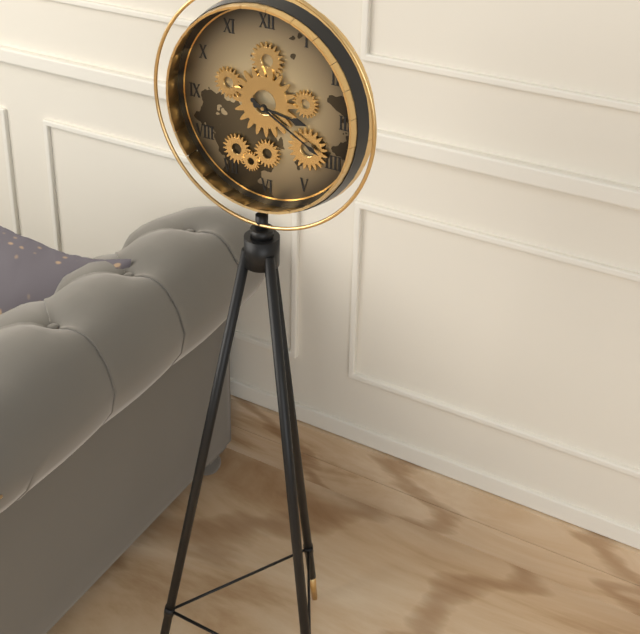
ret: {"hour": 3, "minute": 20}
